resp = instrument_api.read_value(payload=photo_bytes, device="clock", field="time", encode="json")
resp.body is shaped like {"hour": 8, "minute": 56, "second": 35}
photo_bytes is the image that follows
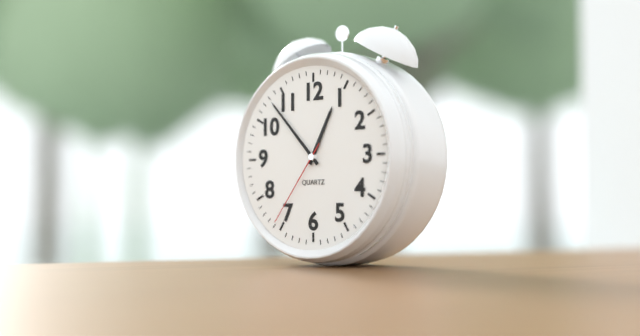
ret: {"hour": 12, "minute": 53, "second": 36}
